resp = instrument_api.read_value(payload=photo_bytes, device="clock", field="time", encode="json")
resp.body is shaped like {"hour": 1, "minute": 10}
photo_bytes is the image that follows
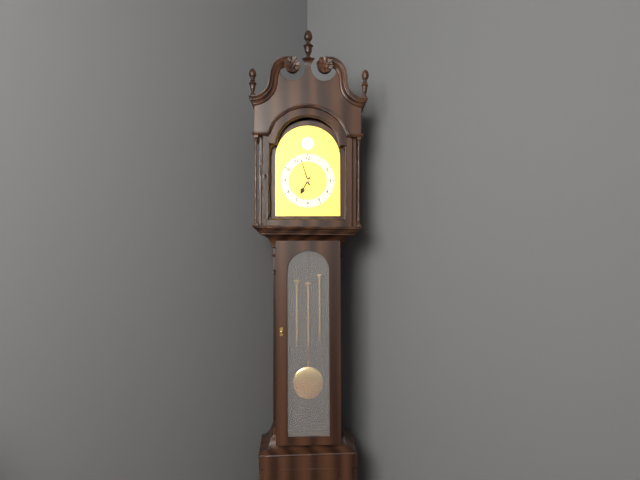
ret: {"hour": 6, "minute": 57}
